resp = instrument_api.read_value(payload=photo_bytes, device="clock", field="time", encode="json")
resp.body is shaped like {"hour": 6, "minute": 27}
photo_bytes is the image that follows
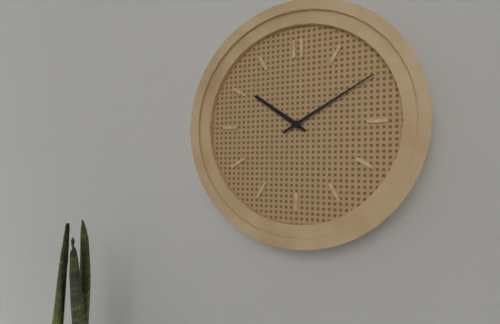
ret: {"hour": 10, "minute": 10}
